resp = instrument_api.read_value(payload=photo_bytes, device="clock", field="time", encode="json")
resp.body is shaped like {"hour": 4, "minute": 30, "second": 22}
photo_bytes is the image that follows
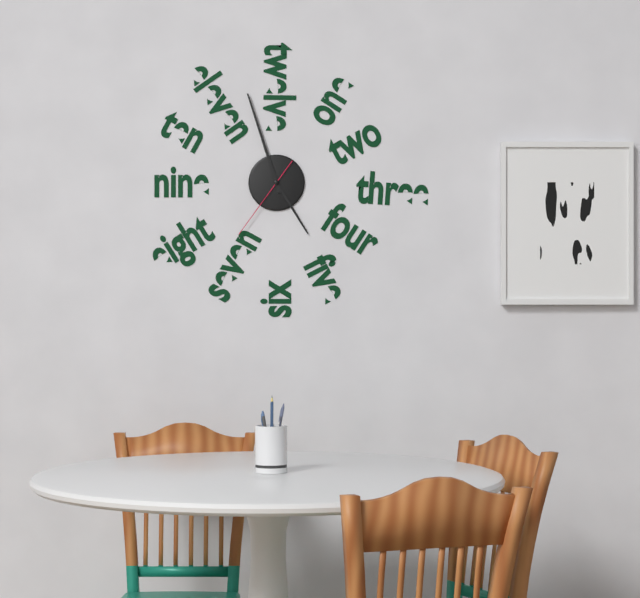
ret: {"hour": 4, "minute": 57, "second": 36}
